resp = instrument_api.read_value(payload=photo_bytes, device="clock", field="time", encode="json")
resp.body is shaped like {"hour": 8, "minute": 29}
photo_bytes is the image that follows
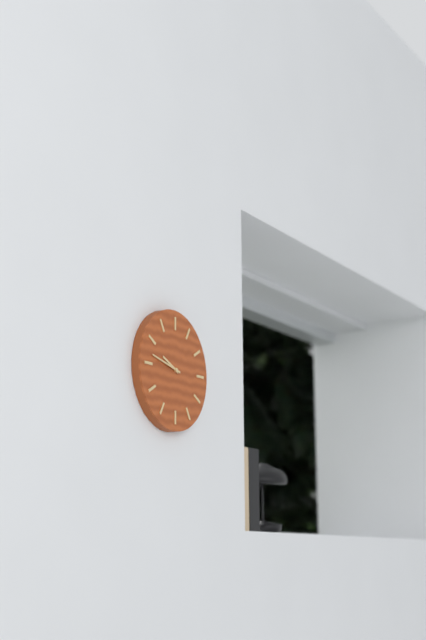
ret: {"hour": 9, "minute": 47}
